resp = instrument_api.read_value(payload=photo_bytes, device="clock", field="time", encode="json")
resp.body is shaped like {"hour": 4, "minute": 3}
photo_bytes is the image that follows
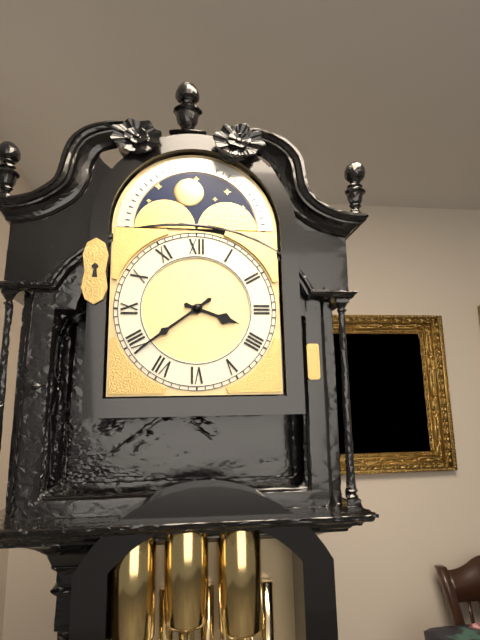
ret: {"hour": 3, "minute": 39}
